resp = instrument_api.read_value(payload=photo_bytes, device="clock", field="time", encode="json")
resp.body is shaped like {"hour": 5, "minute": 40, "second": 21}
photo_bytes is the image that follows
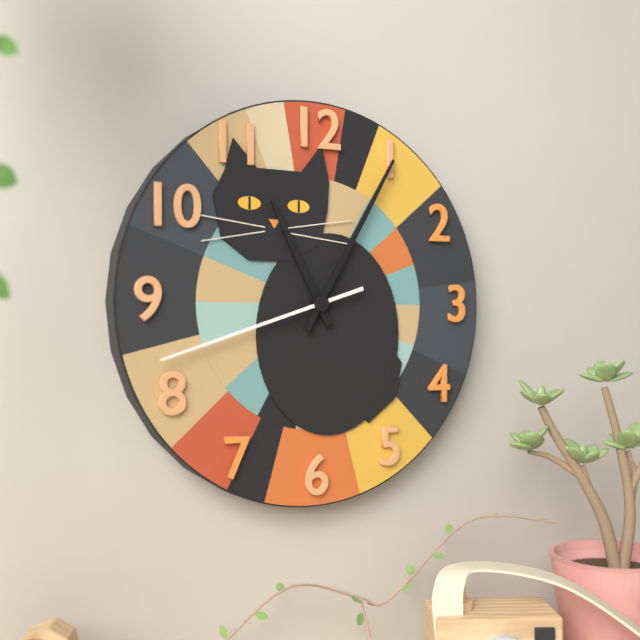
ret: {"hour": 11, "minute": 5, "second": 42}
